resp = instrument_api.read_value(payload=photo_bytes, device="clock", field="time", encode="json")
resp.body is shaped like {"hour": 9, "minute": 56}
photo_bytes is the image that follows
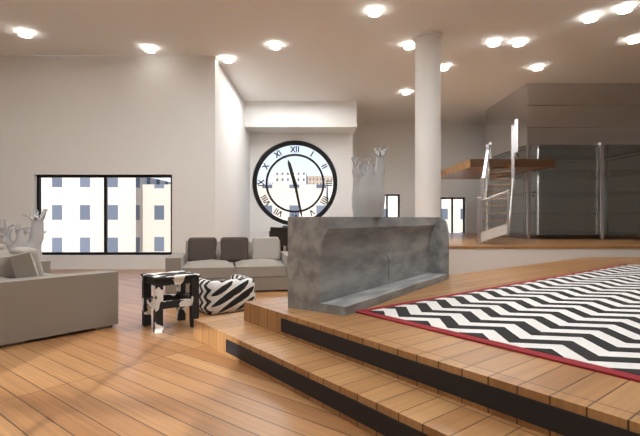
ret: {"hour": 11, "minute": 28}
